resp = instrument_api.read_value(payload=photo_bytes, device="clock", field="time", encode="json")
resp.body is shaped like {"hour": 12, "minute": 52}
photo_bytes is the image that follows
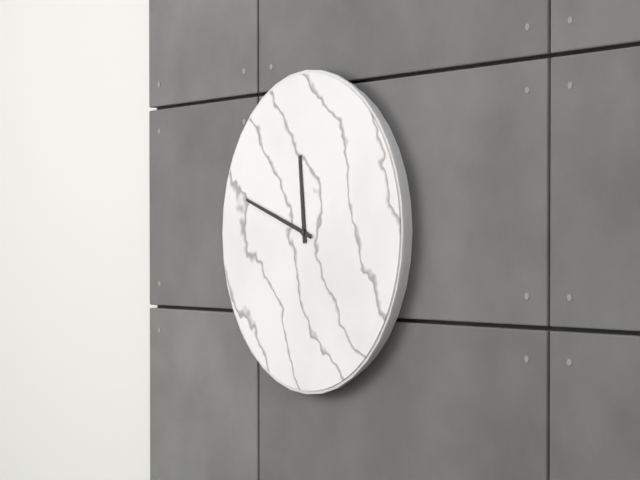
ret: {"hour": 11, "minute": 48}
